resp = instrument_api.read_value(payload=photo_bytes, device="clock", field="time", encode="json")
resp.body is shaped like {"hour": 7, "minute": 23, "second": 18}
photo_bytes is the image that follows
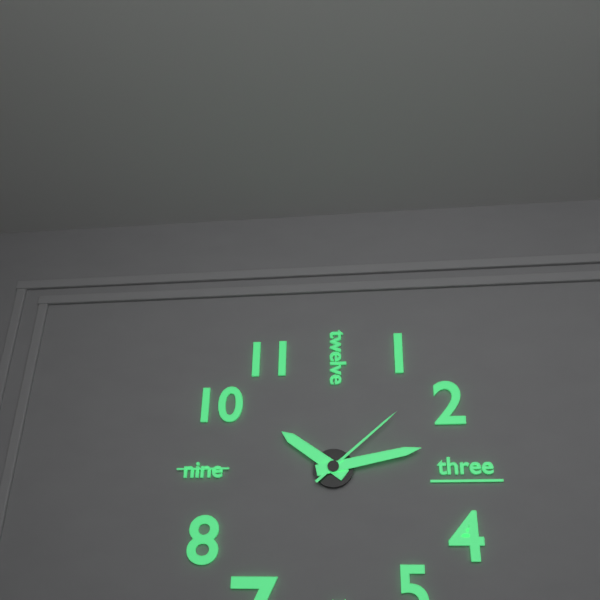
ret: {"hour": 10, "minute": 13, "second": 8}
